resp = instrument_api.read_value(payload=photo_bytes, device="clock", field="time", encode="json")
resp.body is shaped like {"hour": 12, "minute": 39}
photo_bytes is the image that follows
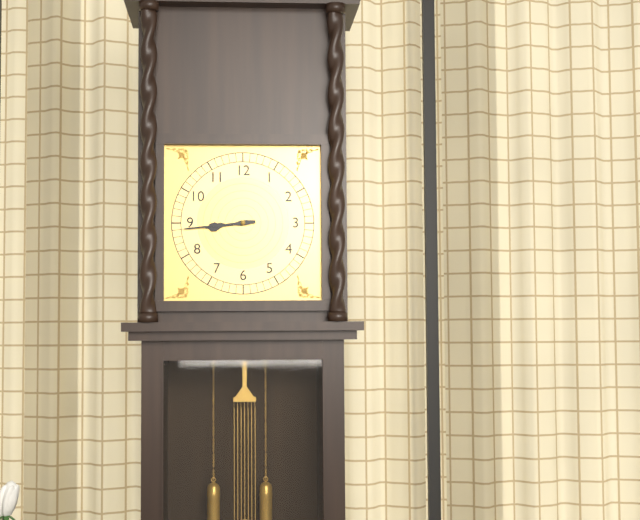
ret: {"hour": 8, "minute": 44}
